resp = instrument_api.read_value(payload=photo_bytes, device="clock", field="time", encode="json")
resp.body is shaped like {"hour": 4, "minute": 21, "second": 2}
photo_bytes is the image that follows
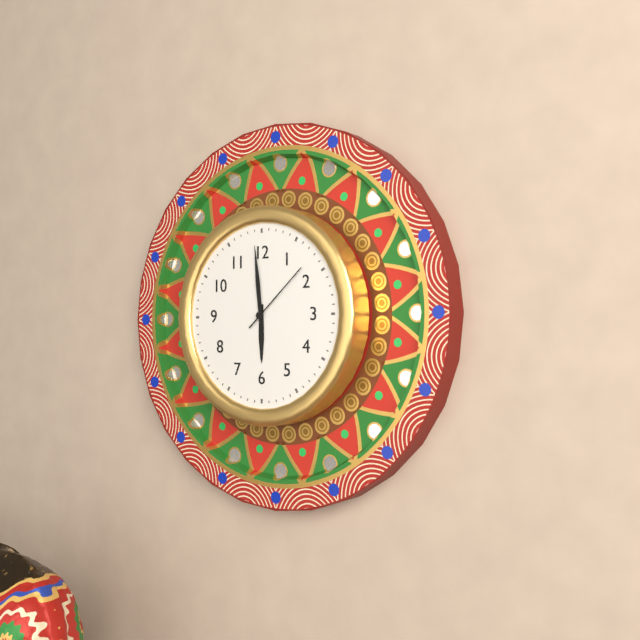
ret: {"hour": 5, "minute": 59, "second": 8}
